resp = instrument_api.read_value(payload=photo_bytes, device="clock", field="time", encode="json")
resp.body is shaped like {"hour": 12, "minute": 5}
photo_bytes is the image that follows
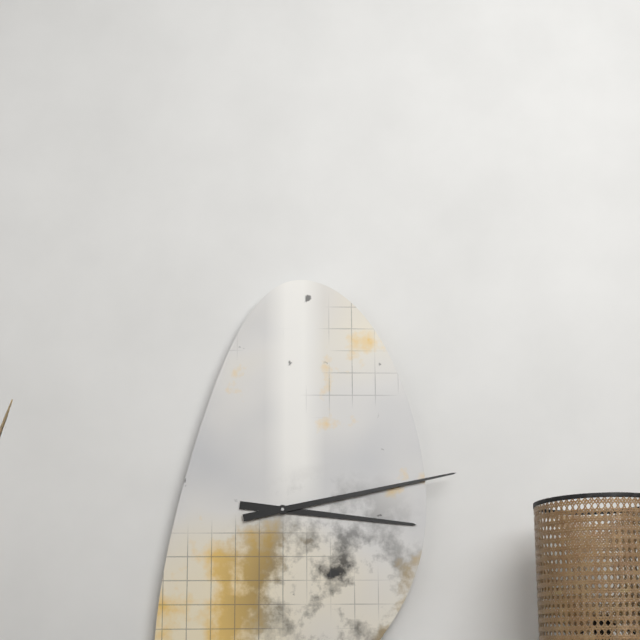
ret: {"hour": 3, "minute": 13}
